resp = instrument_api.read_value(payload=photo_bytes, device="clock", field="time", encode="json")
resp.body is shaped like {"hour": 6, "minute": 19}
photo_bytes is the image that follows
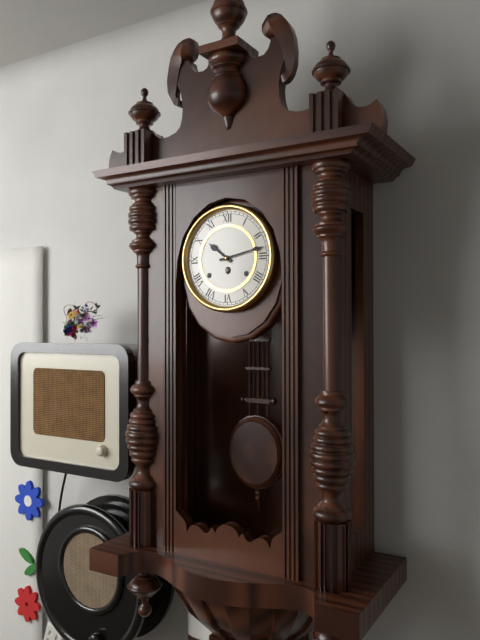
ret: {"hour": 10, "minute": 13}
